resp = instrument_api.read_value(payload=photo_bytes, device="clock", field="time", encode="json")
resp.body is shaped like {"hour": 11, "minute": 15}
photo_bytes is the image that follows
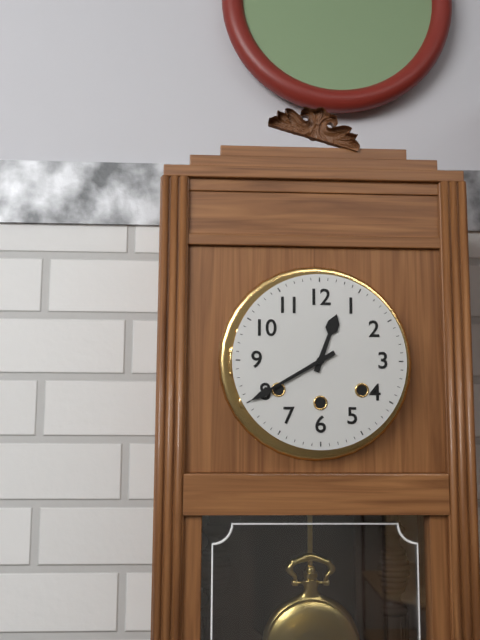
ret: {"hour": 12, "minute": 40}
